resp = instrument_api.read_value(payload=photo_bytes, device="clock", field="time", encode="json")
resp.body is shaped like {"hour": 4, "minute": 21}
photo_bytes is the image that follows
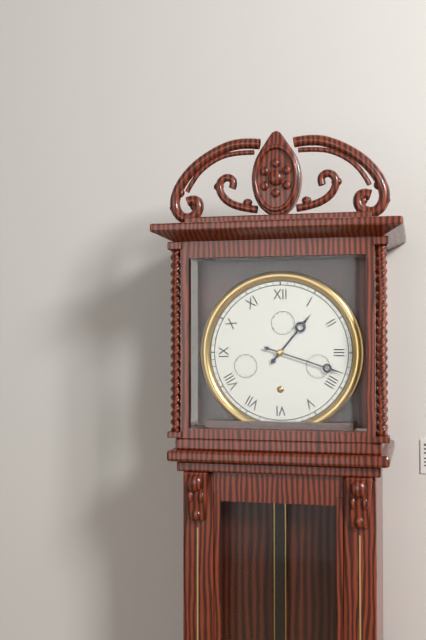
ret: {"hour": 1, "minute": 18}
